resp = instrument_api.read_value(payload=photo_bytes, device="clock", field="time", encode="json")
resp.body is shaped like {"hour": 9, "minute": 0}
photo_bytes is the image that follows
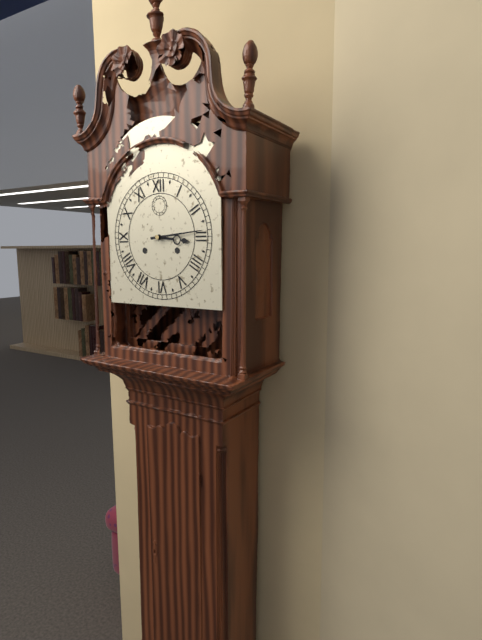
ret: {"hour": 3, "minute": 14}
